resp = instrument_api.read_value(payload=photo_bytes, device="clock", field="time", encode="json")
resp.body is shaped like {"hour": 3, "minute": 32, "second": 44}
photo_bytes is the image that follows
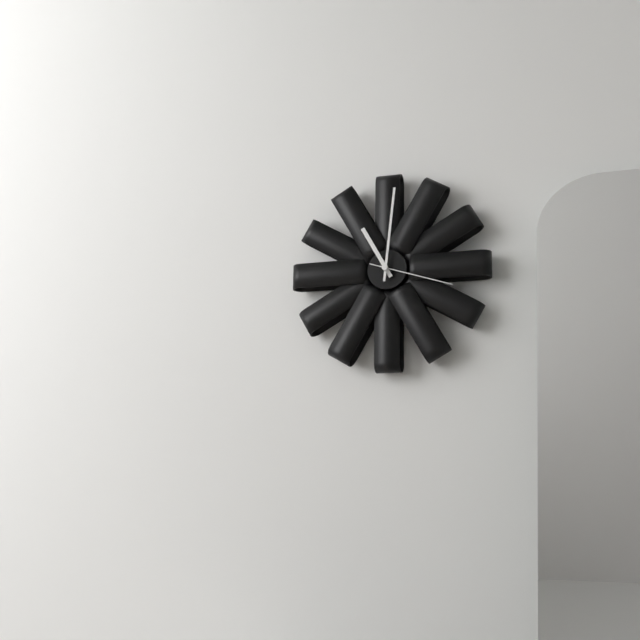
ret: {"hour": 11, "minute": 1, "second": 18}
